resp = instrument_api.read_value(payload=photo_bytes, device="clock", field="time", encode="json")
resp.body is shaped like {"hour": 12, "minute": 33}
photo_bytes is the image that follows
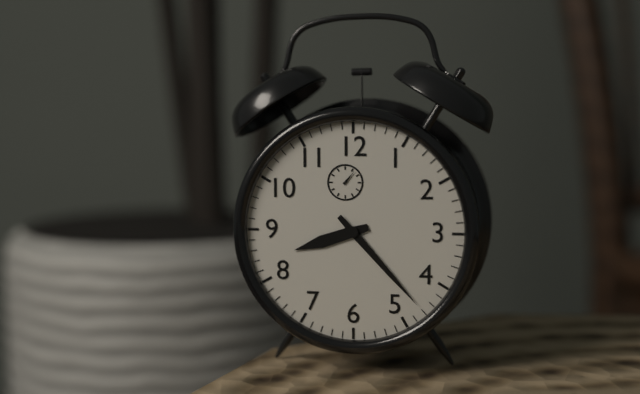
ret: {"hour": 8, "minute": 23}
